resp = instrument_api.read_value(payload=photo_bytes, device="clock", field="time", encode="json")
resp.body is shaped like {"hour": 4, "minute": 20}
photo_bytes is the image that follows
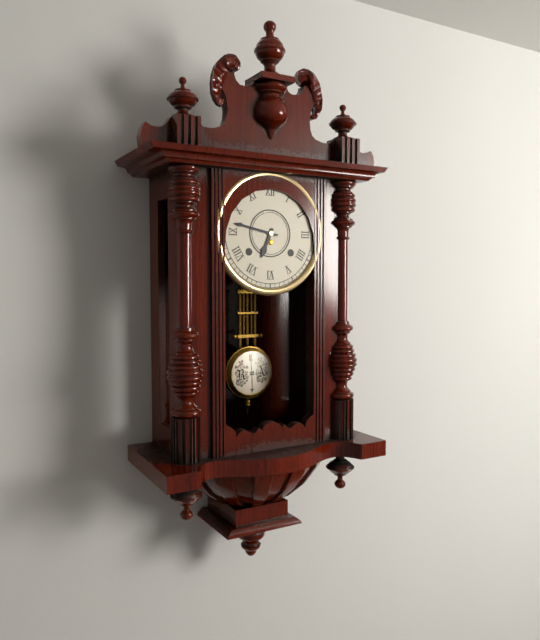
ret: {"hour": 6, "minute": 47}
